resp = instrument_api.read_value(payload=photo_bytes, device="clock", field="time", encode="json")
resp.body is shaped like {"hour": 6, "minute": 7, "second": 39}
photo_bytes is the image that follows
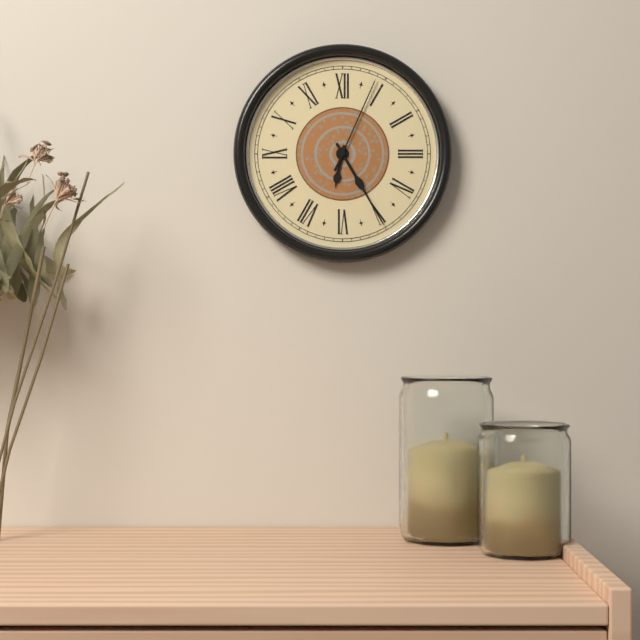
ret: {"hour": 6, "minute": 25, "second": 4}
